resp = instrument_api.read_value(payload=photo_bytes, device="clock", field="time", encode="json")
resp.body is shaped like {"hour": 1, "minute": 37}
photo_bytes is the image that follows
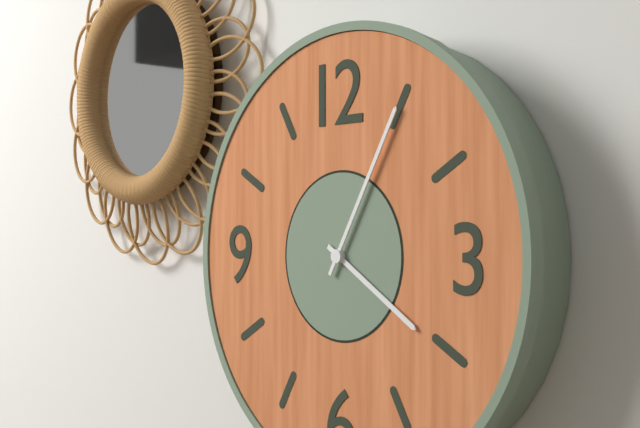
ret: {"hour": 4, "minute": 5}
